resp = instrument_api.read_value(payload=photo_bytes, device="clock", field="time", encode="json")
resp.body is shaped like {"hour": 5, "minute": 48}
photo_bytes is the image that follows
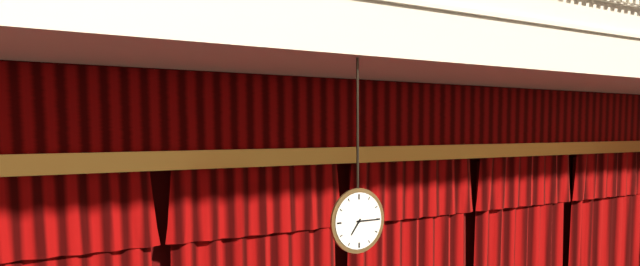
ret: {"hour": 7, "minute": 15}
